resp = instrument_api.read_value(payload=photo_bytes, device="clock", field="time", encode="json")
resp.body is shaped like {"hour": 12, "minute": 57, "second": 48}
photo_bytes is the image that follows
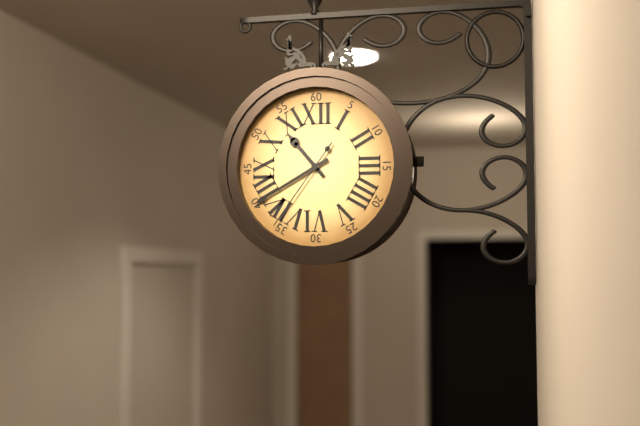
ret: {"hour": 10, "minute": 40, "second": 36}
